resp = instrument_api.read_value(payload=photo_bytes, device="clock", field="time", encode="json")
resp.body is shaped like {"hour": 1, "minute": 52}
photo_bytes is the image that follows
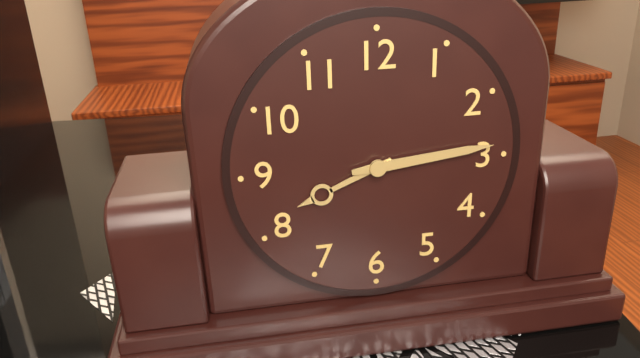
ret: {"hour": 8, "minute": 14}
